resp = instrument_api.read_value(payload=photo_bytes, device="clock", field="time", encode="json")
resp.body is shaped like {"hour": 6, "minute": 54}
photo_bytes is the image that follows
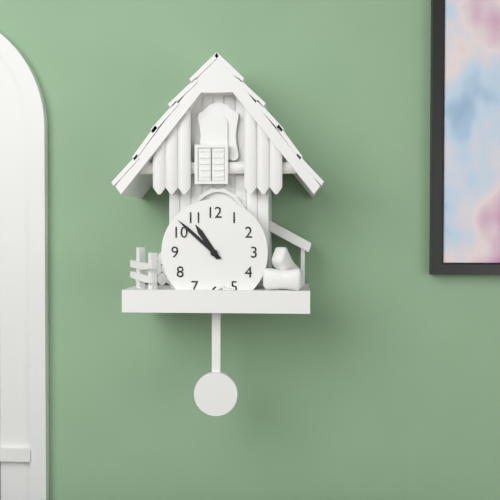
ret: {"hour": 10, "minute": 52}
